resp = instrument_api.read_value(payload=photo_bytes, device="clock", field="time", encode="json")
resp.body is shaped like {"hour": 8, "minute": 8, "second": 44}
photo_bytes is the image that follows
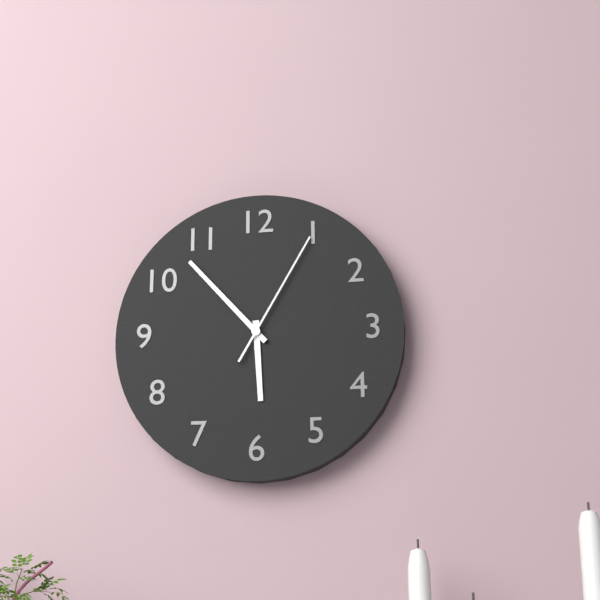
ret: {"hour": 5, "minute": 53, "second": 5}
